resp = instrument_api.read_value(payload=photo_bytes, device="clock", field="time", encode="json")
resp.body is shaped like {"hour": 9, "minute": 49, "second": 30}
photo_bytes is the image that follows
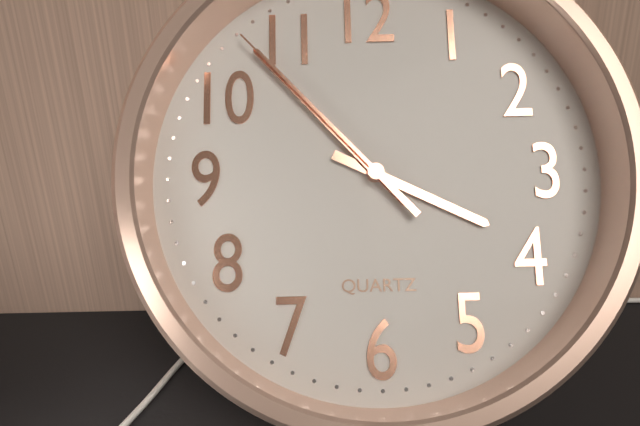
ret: {"hour": 3, "minute": 53, "second": 53}
